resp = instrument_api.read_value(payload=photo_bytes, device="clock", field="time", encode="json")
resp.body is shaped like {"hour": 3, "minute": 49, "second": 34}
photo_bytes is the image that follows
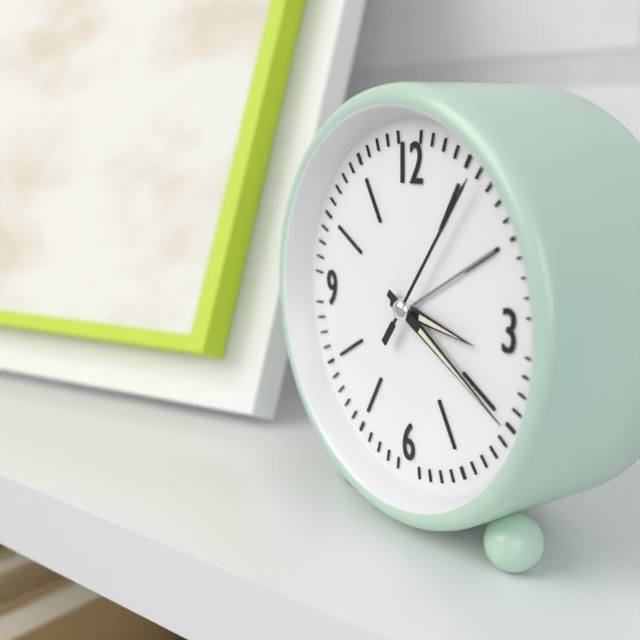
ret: {"hour": 3, "minute": 20, "second": 6}
